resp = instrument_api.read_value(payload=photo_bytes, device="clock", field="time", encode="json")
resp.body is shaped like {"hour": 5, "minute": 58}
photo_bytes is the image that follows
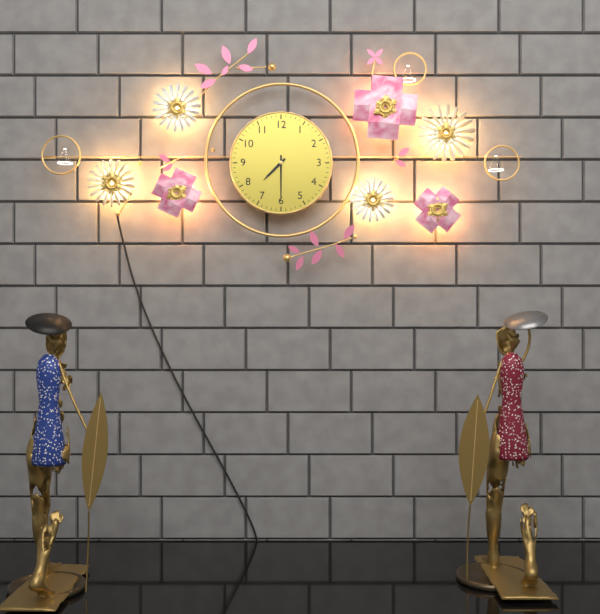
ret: {"hour": 7, "minute": 30}
